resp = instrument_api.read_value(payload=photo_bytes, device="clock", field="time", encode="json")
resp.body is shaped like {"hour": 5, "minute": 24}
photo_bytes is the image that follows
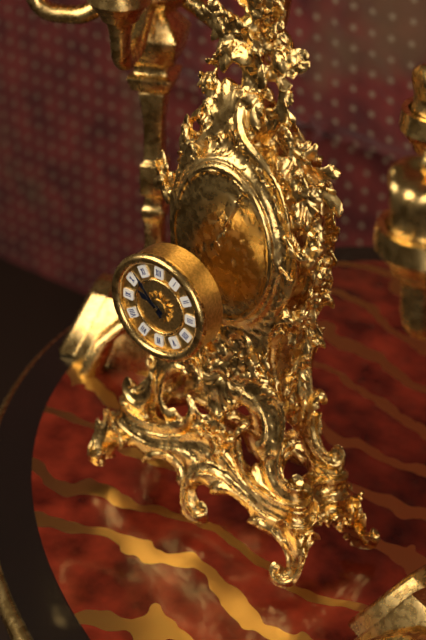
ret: {"hour": 9, "minute": 53}
